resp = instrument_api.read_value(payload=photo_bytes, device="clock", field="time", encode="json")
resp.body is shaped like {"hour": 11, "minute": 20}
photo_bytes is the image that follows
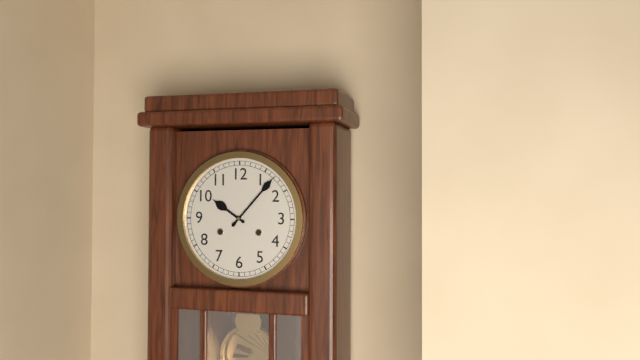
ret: {"hour": 10, "minute": 7}
